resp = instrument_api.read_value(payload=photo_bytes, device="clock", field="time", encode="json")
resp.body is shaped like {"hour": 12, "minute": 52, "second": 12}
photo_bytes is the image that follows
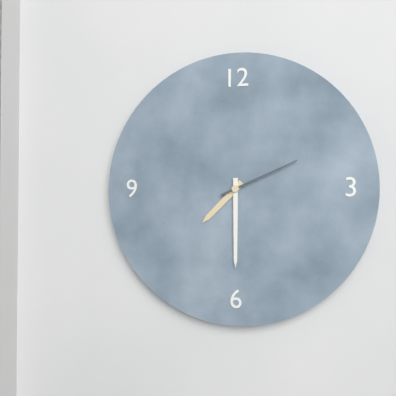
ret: {"hour": 7, "minute": 30, "second": 11}
